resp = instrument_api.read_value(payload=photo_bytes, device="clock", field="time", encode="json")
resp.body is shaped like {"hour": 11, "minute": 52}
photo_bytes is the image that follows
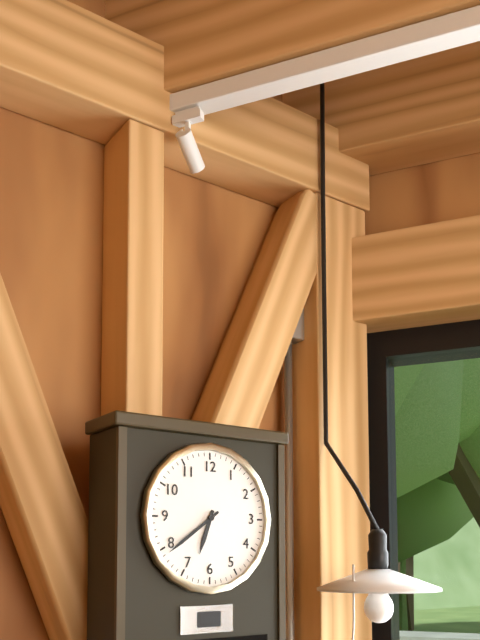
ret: {"hour": 6, "minute": 39}
